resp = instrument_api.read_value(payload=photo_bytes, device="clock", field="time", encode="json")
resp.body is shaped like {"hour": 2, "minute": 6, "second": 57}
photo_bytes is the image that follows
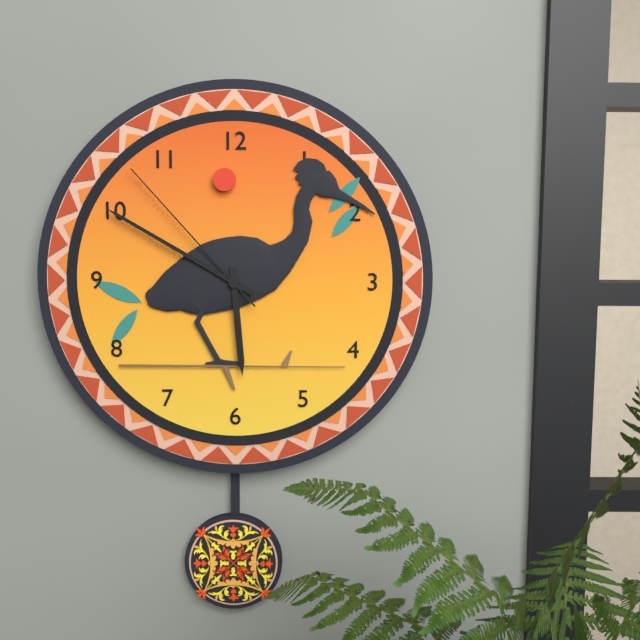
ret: {"hour": 5, "minute": 50, "second": 53}
